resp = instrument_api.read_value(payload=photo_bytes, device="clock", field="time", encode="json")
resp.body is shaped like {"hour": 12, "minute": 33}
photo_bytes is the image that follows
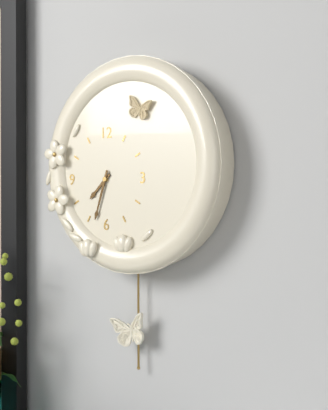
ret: {"hour": 7, "minute": 33}
